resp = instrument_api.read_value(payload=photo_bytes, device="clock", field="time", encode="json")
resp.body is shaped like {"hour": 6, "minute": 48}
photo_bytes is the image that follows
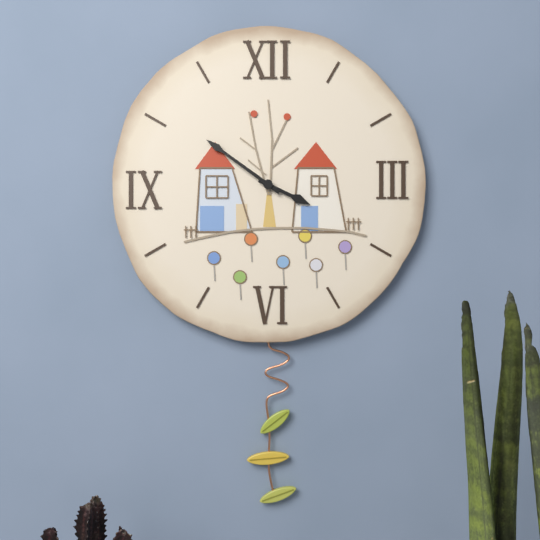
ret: {"hour": 3, "minute": 51}
